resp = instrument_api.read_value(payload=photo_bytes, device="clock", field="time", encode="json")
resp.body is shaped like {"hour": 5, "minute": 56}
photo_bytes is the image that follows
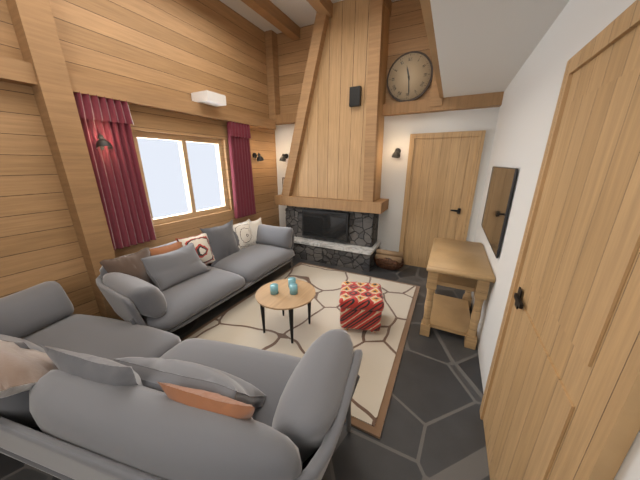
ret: {"hour": 11, "minute": 29}
